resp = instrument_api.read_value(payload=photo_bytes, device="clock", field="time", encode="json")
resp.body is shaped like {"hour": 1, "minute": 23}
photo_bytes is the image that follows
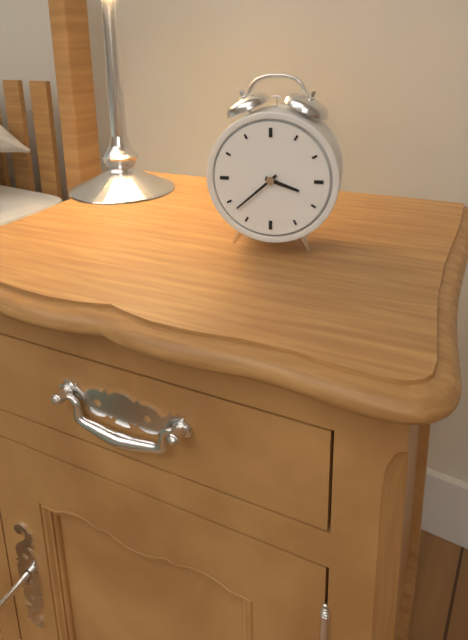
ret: {"hour": 3, "minute": 38}
